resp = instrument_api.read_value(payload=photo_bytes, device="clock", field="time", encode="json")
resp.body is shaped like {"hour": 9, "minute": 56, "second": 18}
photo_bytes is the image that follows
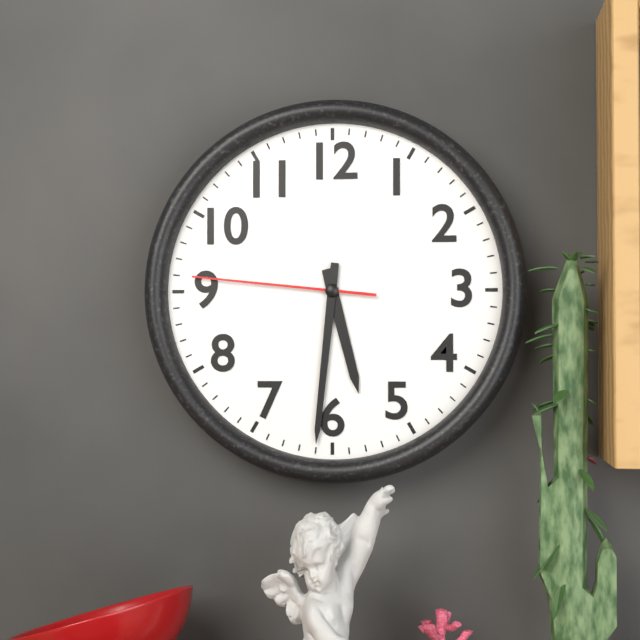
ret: {"hour": 5, "minute": 31, "second": 46}
